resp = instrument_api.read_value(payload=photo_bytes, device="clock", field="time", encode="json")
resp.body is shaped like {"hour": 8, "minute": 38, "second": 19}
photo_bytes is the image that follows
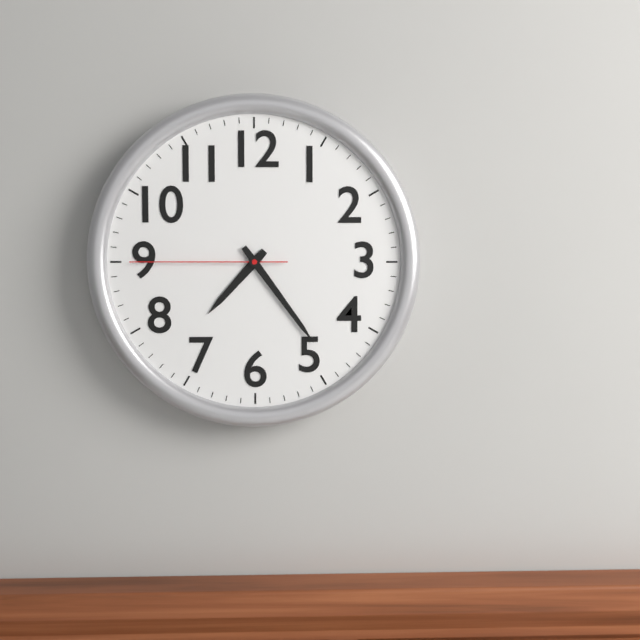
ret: {"hour": 7, "minute": 24, "second": 45}
